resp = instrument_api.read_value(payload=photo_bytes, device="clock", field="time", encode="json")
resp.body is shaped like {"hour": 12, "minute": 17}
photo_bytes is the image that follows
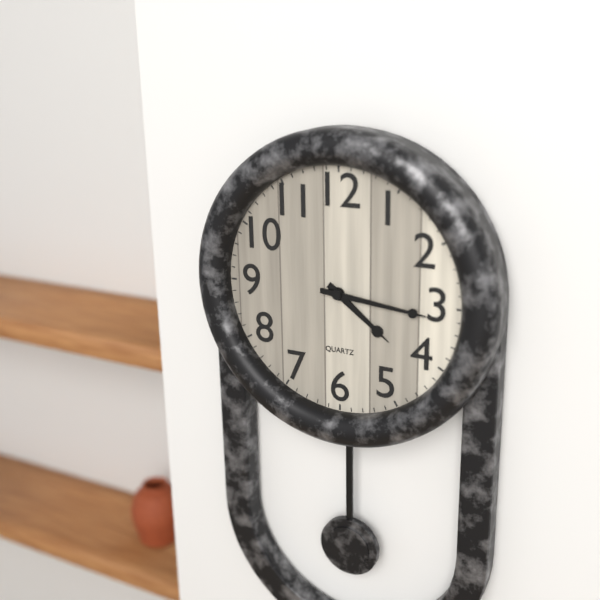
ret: {"hour": 4, "minute": 16}
